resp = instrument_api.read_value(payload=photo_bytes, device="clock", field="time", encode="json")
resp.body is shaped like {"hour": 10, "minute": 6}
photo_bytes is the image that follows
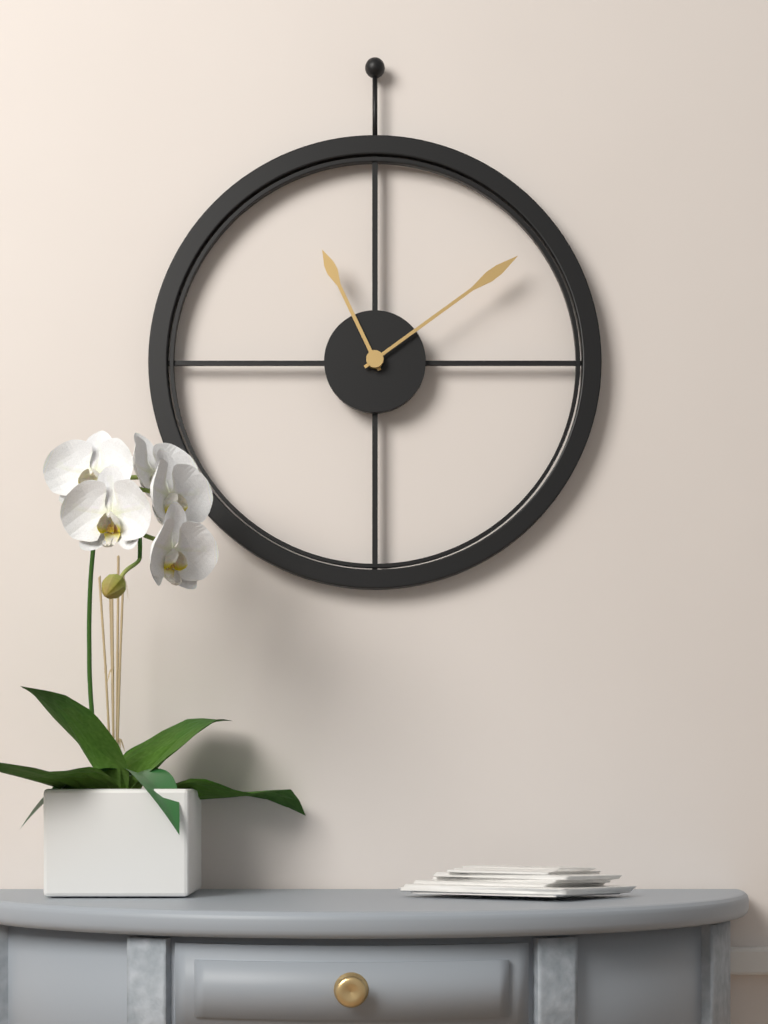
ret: {"hour": 11, "minute": 9}
